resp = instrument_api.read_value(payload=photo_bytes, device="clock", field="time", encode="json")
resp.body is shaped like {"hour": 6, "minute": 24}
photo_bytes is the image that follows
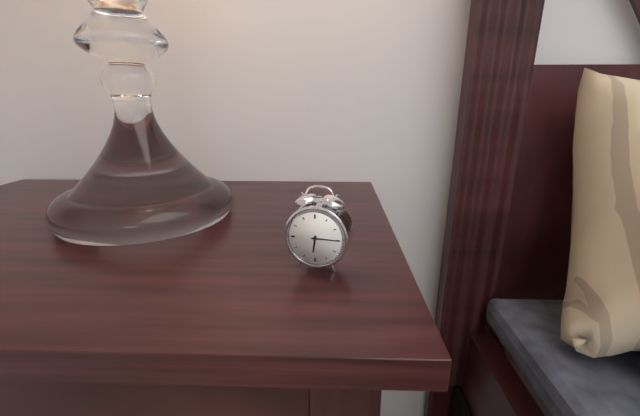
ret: {"hour": 6, "minute": 15}
